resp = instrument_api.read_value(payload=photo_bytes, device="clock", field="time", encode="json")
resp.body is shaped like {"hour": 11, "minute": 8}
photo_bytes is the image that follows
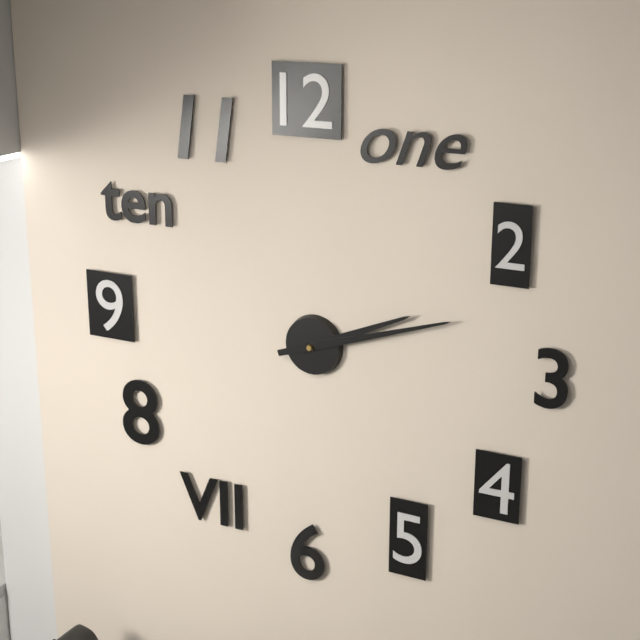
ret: {"hour": 2, "minute": 12}
